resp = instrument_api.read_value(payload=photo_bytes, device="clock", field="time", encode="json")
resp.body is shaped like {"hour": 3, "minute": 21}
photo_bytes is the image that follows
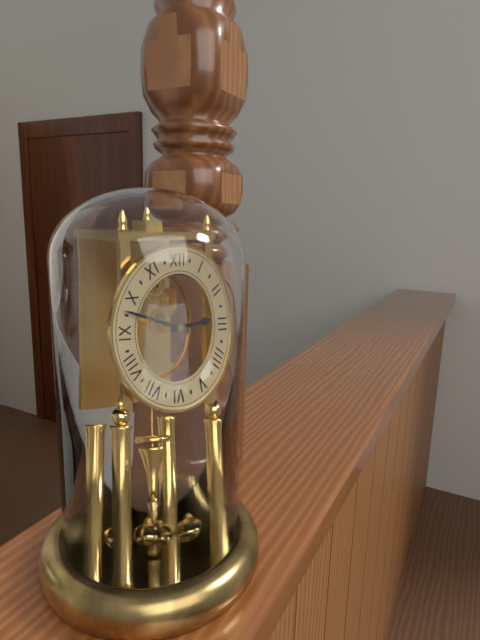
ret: {"hour": 2, "minute": 48}
